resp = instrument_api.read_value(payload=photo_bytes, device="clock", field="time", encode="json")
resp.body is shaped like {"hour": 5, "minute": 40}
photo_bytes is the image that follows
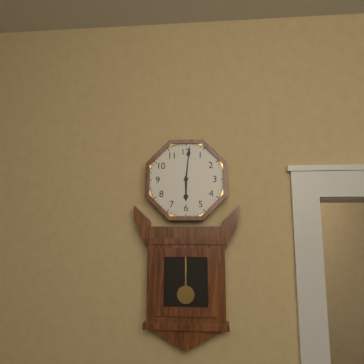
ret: {"hour": 6, "minute": 1}
